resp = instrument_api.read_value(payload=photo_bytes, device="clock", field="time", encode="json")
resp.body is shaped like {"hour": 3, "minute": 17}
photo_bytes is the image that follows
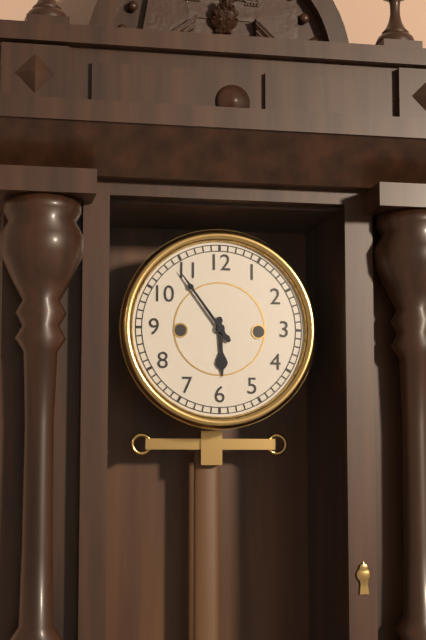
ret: {"hour": 5, "minute": 54}
